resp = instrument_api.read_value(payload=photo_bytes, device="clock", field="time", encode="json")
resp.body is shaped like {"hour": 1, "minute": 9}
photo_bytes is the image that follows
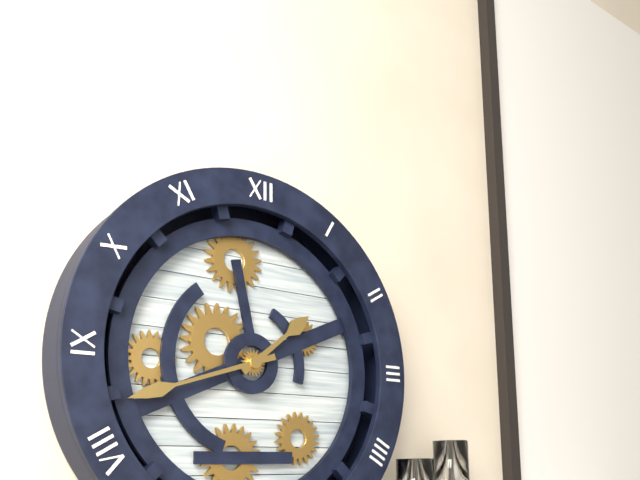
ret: {"hour": 1, "minute": 42}
